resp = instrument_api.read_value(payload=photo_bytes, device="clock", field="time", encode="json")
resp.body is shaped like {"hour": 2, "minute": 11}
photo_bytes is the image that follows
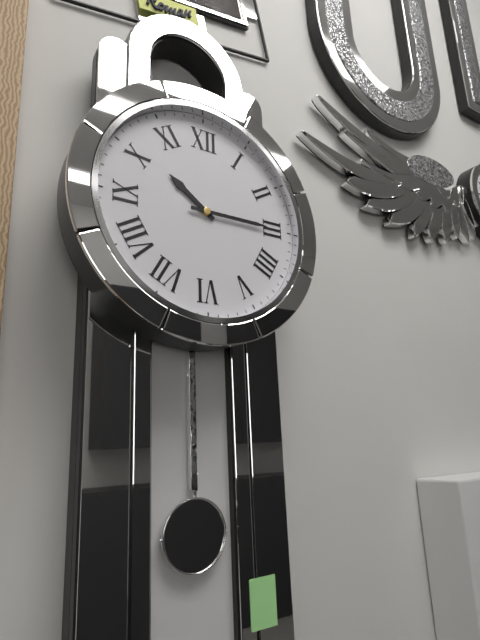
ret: {"hour": 10, "minute": 15}
